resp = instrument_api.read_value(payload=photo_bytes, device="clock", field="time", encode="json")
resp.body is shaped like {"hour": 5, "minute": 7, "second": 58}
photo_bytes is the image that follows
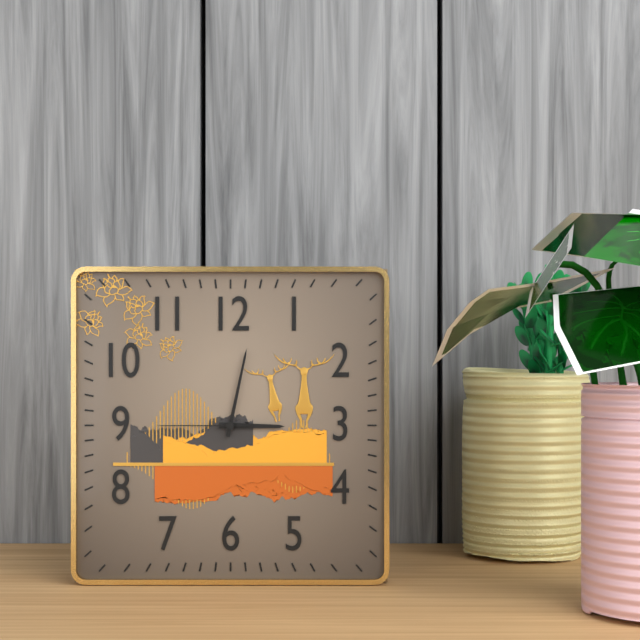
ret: {"hour": 3, "minute": 2, "second": 45}
